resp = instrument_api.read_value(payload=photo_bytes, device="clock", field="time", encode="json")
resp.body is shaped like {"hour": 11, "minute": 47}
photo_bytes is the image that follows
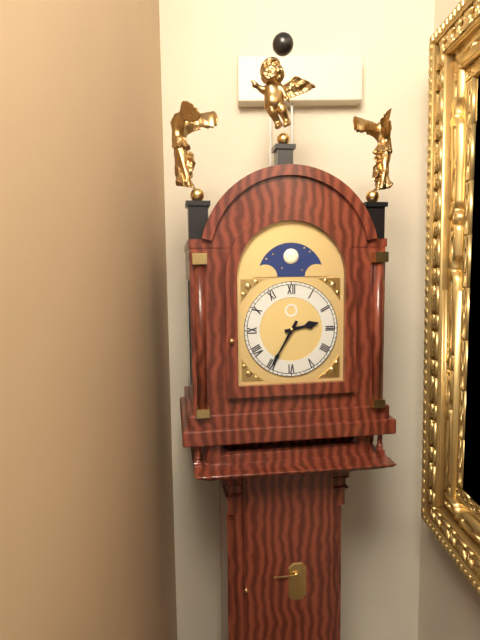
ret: {"hour": 2, "minute": 35}
